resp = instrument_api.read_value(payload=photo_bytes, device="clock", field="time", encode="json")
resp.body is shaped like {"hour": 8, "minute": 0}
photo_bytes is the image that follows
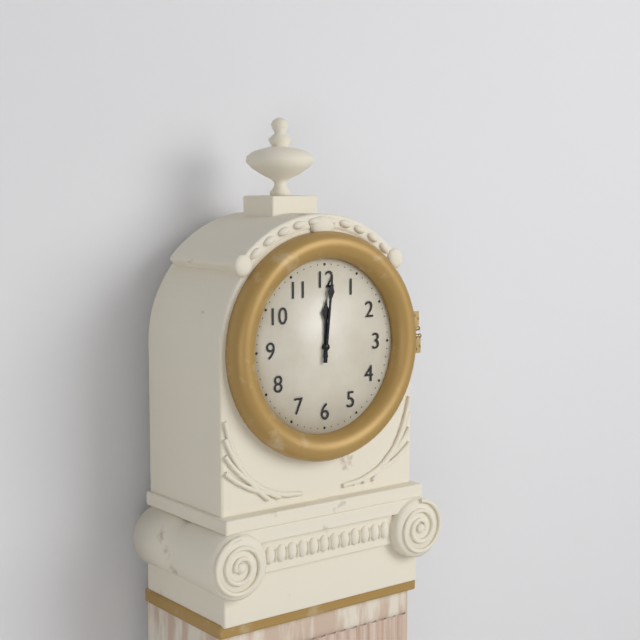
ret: {"hour": 12, "minute": 1}
